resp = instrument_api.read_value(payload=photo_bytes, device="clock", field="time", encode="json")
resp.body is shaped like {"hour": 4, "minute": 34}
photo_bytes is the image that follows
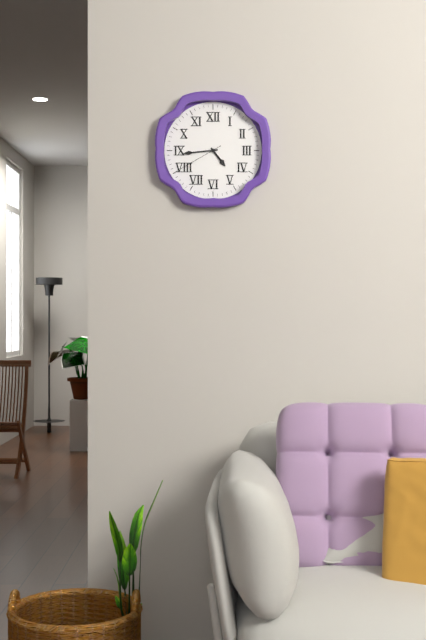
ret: {"hour": 4, "minute": 44}
